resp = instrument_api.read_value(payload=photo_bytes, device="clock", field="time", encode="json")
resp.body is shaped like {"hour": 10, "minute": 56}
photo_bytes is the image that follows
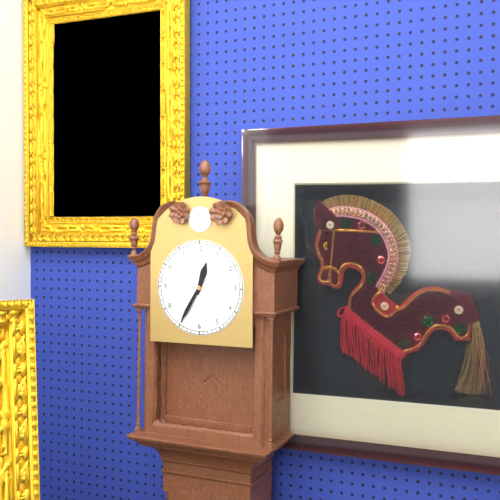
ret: {"hour": 12, "minute": 35}
